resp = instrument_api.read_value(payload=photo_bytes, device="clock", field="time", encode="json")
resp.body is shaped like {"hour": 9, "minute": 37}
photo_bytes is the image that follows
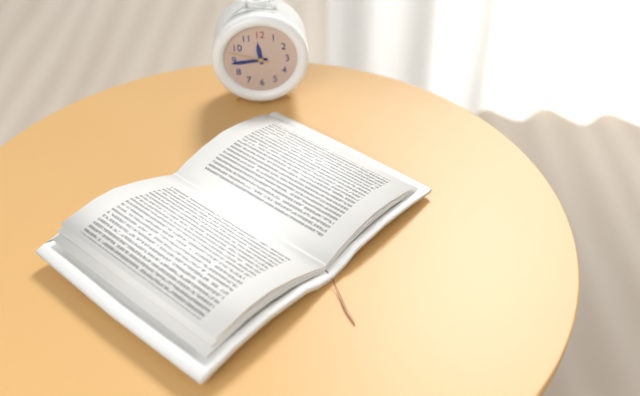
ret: {"hour": 11, "minute": 44}
